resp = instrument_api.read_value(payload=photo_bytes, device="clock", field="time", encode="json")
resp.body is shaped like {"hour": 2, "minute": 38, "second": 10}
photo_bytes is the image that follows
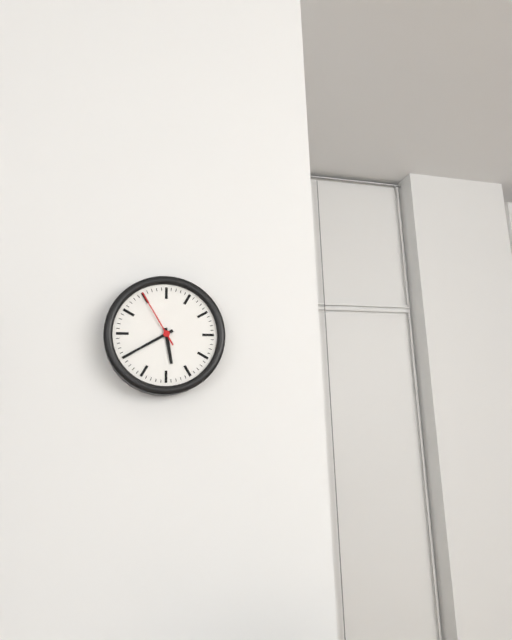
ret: {"hour": 5, "minute": 40, "second": 55}
